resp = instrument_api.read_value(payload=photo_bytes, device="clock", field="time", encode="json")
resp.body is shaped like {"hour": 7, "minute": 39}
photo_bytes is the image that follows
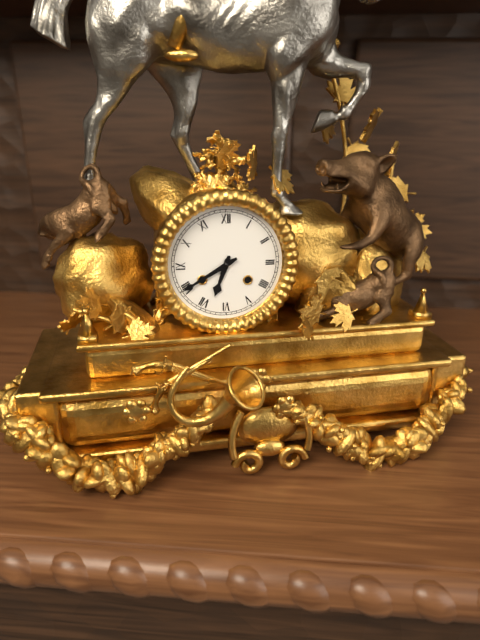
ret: {"hour": 6, "minute": 40}
